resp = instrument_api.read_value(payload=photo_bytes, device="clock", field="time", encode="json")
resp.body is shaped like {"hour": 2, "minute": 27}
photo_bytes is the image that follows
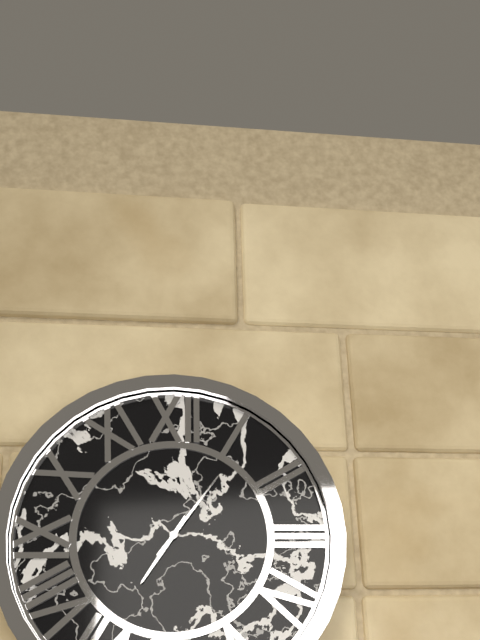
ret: {"hour": 7, "minute": 6}
